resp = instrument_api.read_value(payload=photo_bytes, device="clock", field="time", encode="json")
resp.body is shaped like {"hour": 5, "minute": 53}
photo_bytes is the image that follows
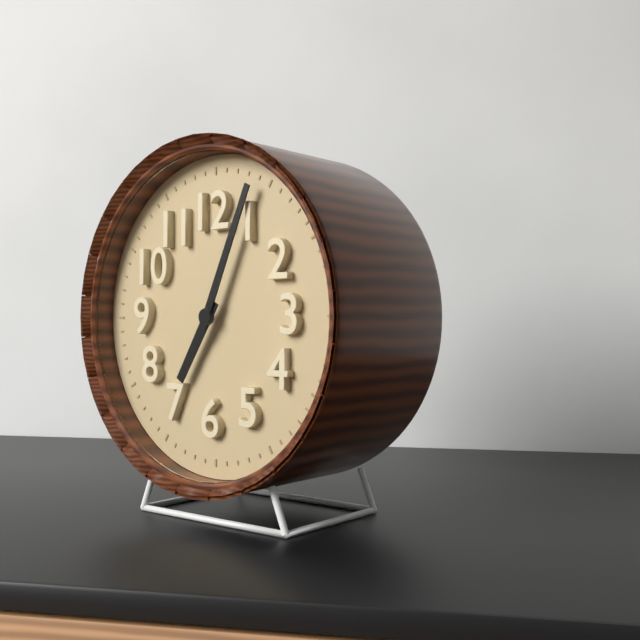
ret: {"hour": 7, "minute": 4}
